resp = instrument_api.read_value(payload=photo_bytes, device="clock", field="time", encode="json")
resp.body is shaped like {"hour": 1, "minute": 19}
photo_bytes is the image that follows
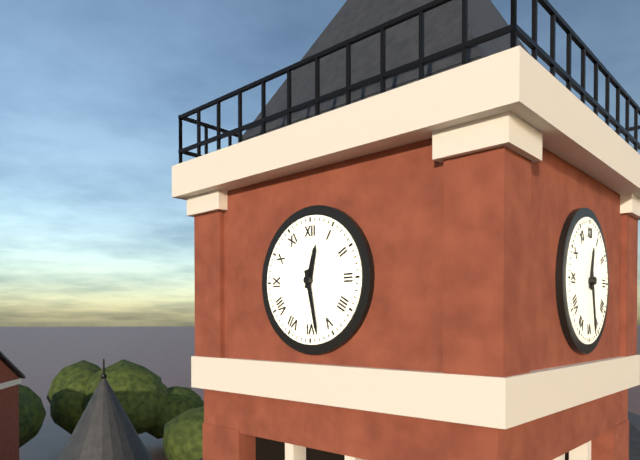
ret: {"hour": 12, "minute": 28}
